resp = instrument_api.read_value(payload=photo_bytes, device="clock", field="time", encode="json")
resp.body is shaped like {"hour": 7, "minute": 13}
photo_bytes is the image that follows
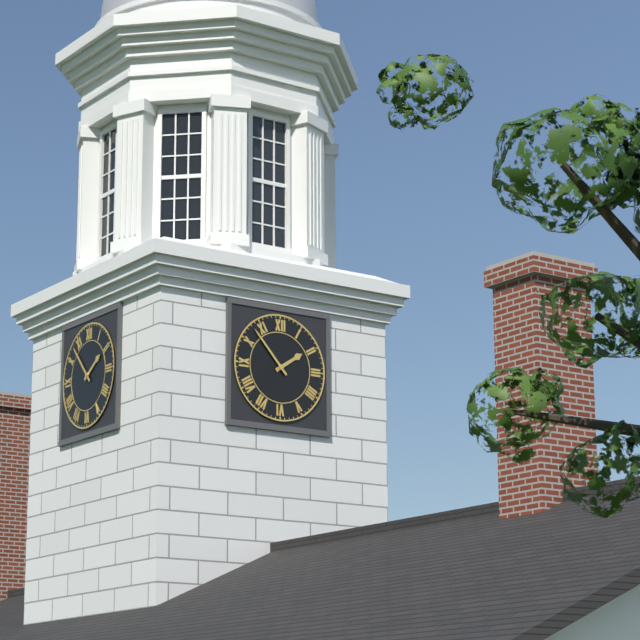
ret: {"hour": 1, "minute": 53}
